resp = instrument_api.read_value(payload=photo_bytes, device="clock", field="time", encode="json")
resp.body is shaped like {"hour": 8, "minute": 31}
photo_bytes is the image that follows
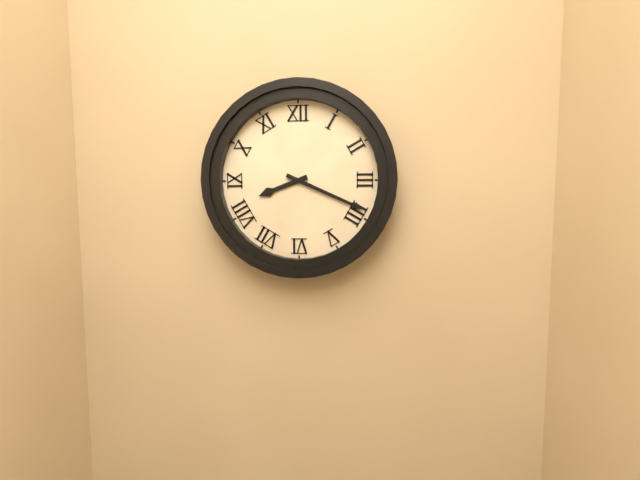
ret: {"hour": 8, "minute": 19}
